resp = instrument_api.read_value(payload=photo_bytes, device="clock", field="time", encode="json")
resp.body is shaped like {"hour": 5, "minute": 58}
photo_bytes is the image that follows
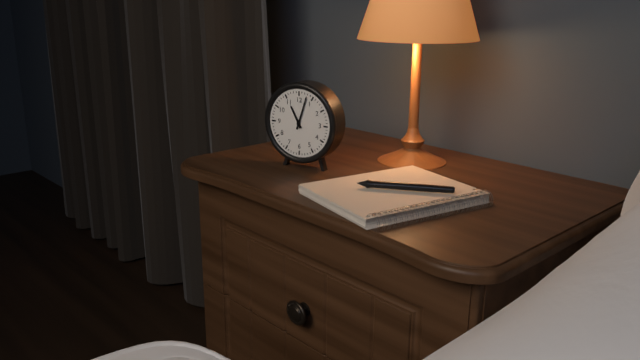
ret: {"hour": 11, "minute": 3}
